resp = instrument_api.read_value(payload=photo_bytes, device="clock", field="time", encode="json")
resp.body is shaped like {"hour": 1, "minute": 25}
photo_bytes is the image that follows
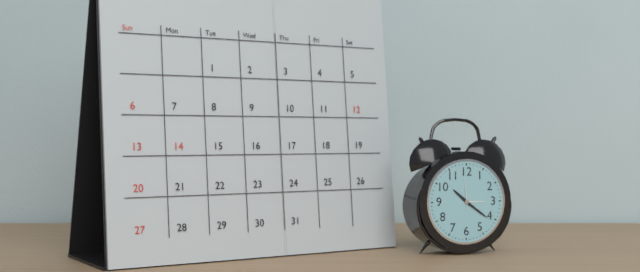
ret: {"hour": 10, "minute": 21}
